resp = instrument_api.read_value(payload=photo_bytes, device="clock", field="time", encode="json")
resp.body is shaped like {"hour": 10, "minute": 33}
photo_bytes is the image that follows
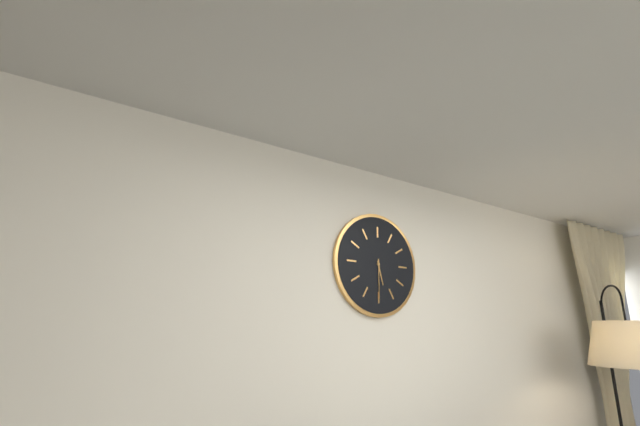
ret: {"hour": 5, "minute": 30}
